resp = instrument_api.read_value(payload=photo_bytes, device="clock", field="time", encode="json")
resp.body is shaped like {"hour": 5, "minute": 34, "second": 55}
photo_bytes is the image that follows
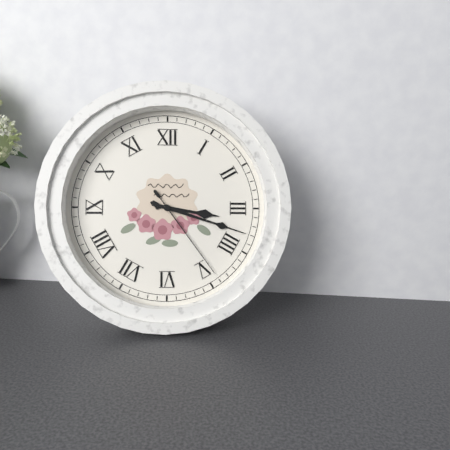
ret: {"hour": 3, "minute": 18, "second": 24}
